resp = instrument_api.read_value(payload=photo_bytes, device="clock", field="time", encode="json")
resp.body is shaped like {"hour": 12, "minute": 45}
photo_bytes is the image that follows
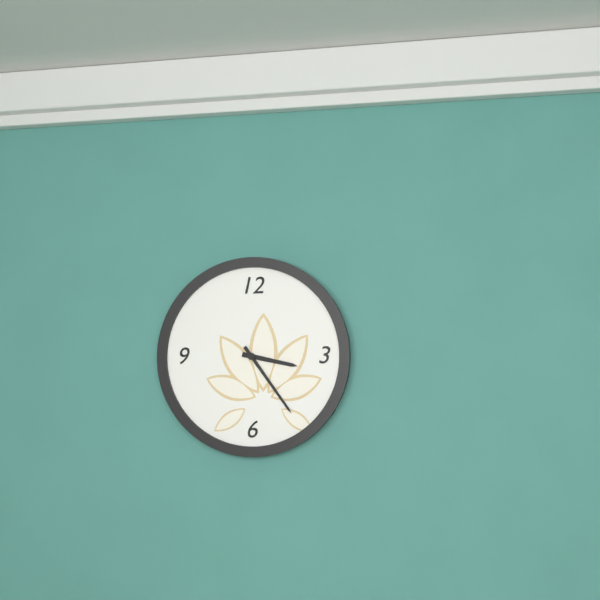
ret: {"hour": 3, "minute": 24}
